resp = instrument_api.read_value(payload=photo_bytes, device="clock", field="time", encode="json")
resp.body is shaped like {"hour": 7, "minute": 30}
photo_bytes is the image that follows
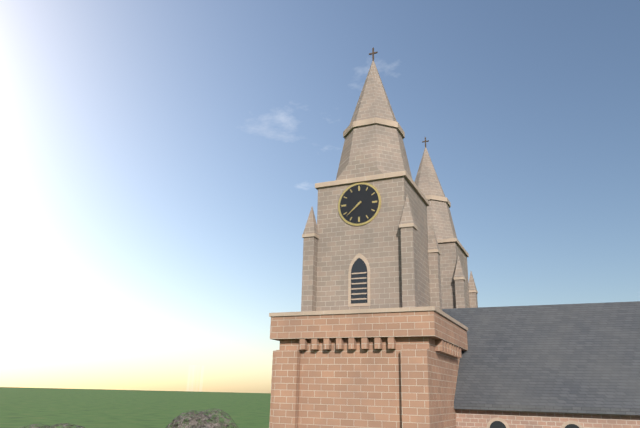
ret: {"hour": 7, "minute": 38}
